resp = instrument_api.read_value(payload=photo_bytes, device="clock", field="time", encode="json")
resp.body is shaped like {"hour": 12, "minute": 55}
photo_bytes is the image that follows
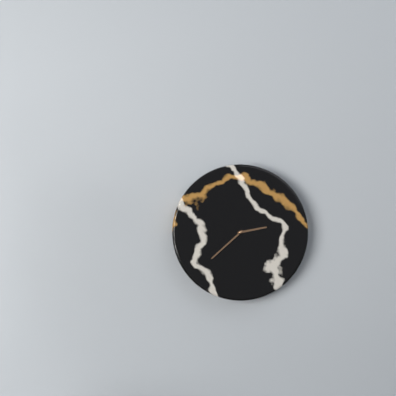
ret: {"hour": 2, "minute": 38}
